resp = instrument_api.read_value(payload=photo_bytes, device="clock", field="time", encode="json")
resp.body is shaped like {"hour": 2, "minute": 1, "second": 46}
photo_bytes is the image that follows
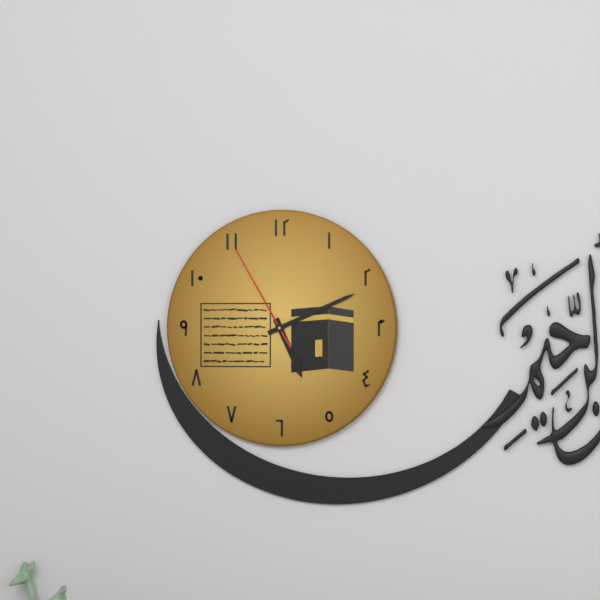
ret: {"hour": 5, "minute": 11, "second": 55}
